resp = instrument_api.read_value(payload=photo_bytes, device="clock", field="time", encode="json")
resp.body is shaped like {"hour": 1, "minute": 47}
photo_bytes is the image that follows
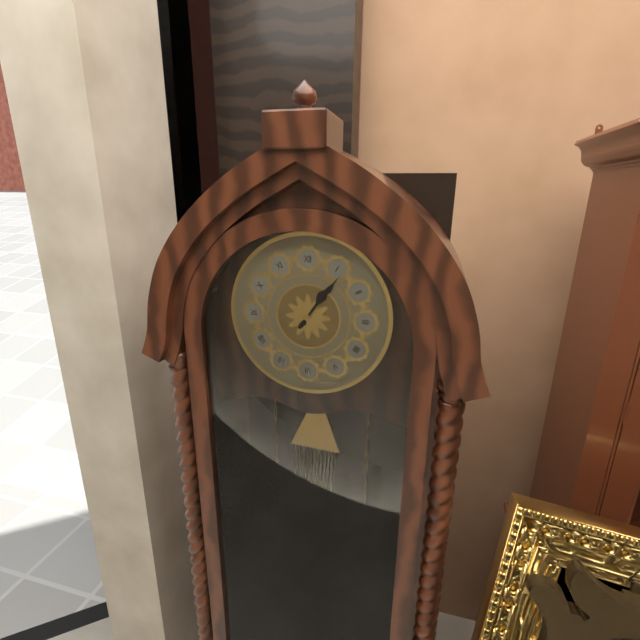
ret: {"hour": 1, "minute": 6}
